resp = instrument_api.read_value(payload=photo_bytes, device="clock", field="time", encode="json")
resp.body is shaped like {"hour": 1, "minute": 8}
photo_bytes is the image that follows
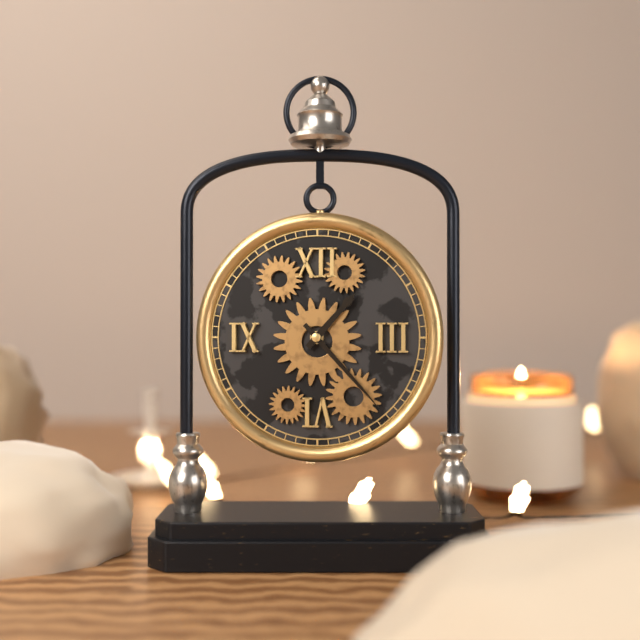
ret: {"hour": 1, "minute": 23}
